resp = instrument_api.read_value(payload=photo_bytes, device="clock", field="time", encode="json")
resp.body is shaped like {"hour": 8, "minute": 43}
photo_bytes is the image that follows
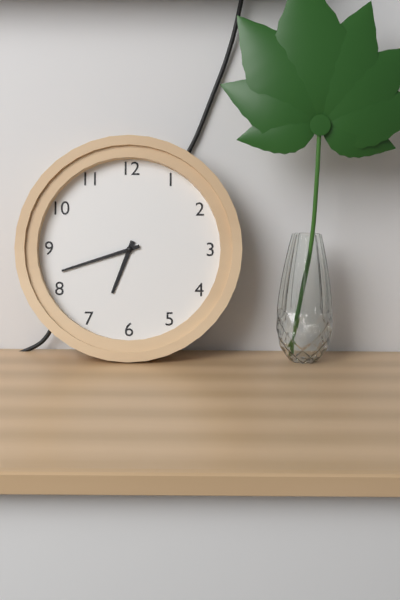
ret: {"hour": 6, "minute": 42}
